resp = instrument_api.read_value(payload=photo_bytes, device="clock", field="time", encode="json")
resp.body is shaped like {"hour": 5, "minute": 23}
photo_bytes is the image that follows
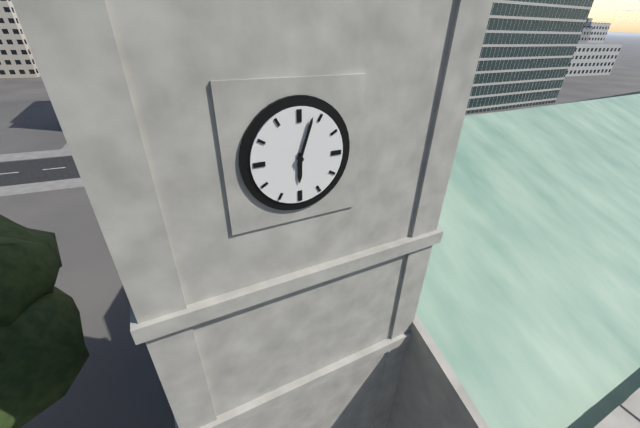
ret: {"hour": 6, "minute": 3}
